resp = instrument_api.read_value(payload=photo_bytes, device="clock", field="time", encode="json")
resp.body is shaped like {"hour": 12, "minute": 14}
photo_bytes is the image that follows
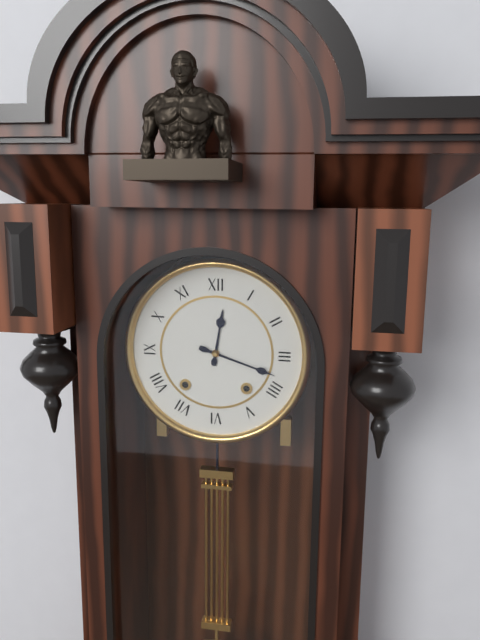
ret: {"hour": 12, "minute": 18}
